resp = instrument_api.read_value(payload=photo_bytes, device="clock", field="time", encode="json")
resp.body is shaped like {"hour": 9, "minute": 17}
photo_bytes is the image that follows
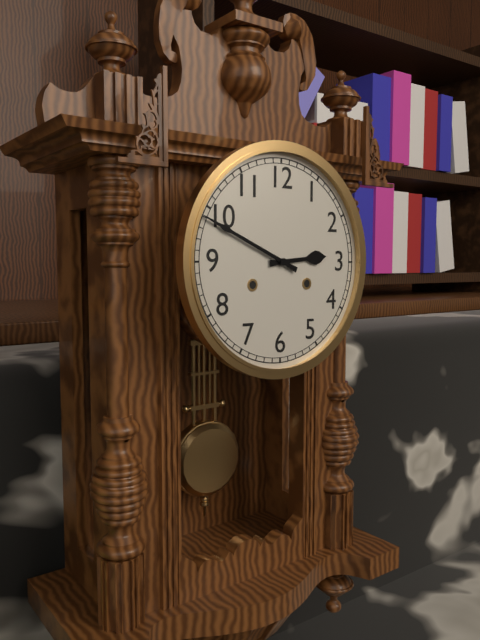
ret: {"hour": 2, "minute": 49}
